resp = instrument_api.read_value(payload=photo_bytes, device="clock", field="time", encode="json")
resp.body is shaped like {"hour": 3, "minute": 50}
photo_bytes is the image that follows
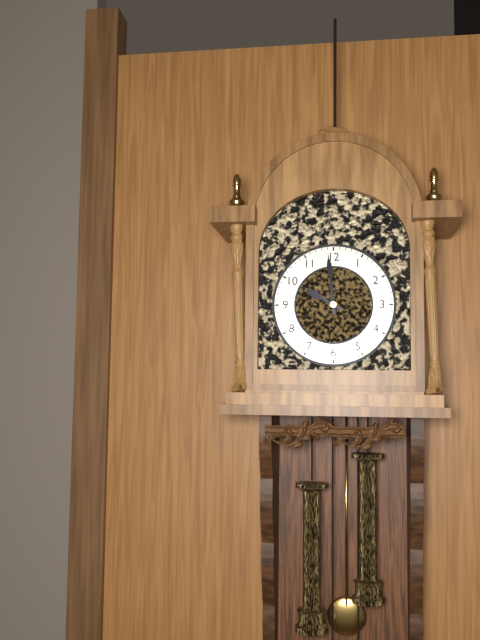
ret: {"hour": 9, "minute": 59}
